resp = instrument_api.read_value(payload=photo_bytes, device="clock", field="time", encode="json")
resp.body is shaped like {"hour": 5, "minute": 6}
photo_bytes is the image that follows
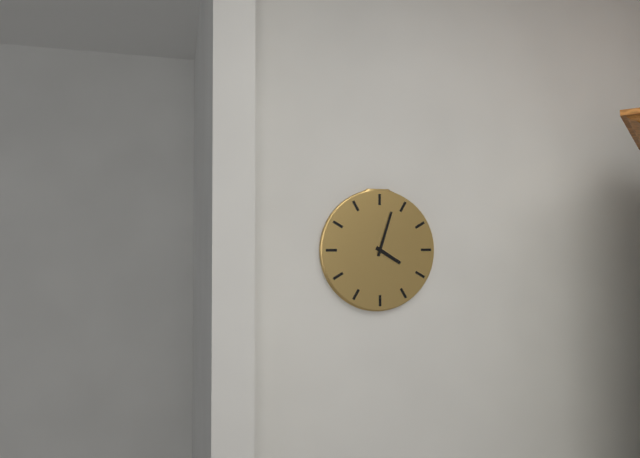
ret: {"hour": 4, "minute": 3}
